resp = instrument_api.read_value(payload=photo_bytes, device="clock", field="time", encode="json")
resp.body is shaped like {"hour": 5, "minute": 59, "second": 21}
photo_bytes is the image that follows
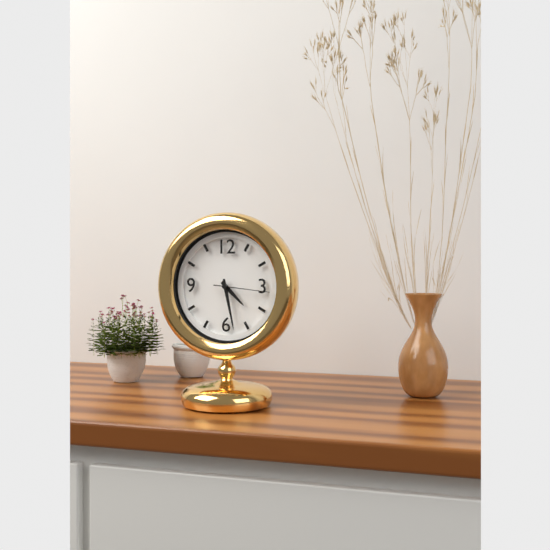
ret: {"hour": 4, "minute": 28, "second": 16}
